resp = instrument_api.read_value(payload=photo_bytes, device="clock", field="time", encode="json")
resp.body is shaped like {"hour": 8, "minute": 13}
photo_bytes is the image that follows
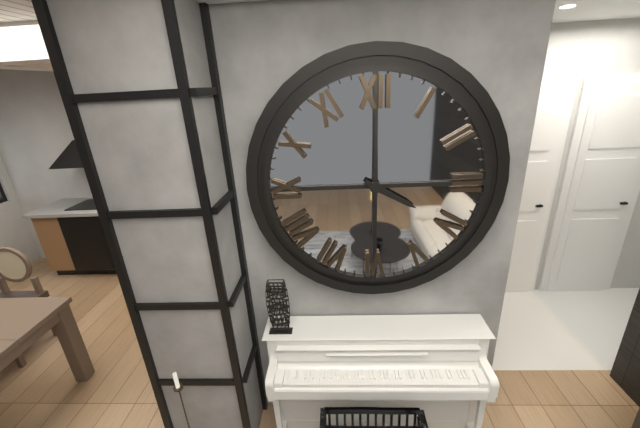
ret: {"hour": 4, "minute": 0}
